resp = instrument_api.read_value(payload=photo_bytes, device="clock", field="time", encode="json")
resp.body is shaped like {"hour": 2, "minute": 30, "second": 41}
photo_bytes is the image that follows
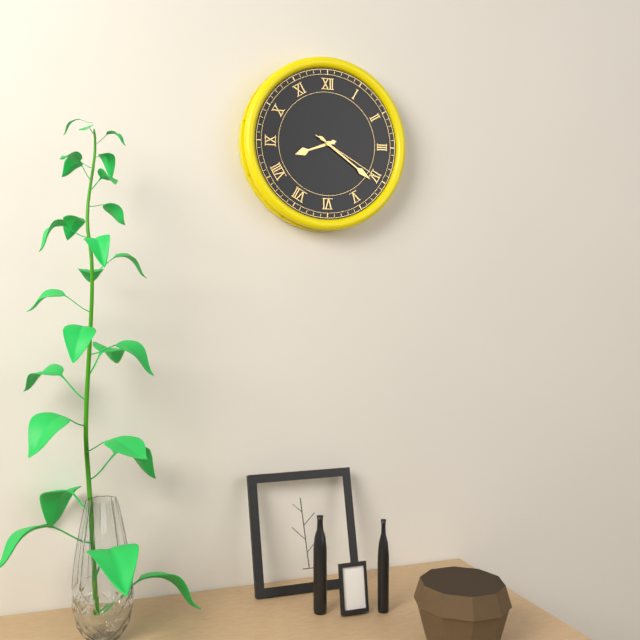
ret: {"hour": 8, "minute": 21, "second": 20}
